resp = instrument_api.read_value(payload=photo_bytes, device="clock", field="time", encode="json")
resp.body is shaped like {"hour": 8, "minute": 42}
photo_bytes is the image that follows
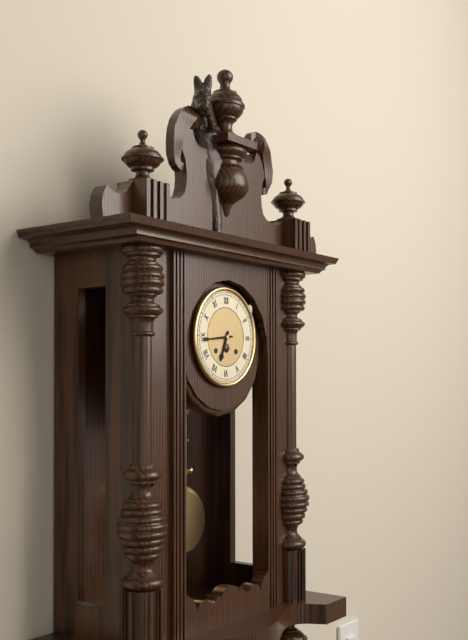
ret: {"hour": 6, "minute": 44}
